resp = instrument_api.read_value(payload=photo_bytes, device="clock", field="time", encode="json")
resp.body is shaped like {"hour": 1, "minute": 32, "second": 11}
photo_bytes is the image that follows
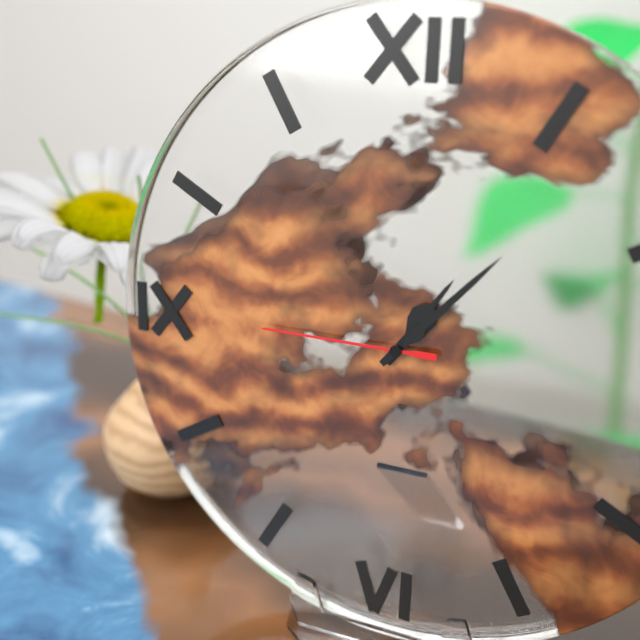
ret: {"hour": 1, "minute": 7, "second": 45}
